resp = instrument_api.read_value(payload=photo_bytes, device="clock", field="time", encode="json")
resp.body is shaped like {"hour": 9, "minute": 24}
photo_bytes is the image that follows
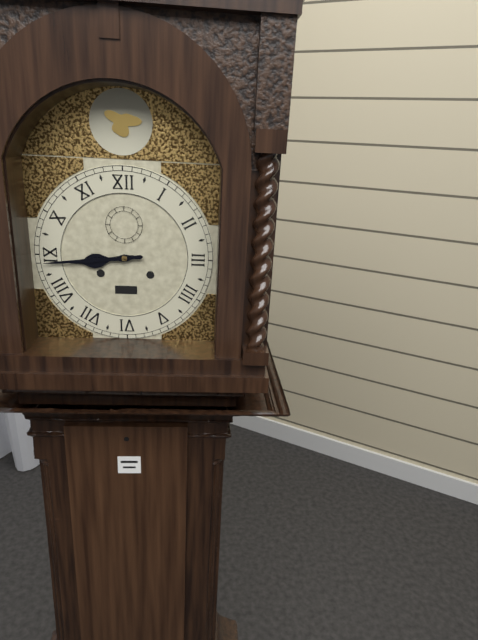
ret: {"hour": 8, "minute": 44}
